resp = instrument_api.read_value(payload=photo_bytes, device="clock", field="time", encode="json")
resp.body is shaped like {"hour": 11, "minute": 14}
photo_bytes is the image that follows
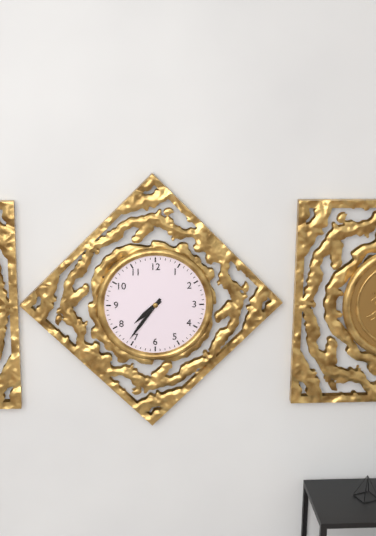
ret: {"hour": 7, "minute": 36}
